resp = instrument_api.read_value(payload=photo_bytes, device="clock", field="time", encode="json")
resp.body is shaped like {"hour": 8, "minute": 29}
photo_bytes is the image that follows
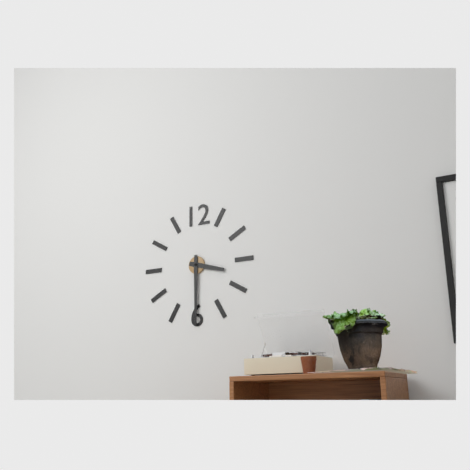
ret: {"hour": 3, "minute": 30}
